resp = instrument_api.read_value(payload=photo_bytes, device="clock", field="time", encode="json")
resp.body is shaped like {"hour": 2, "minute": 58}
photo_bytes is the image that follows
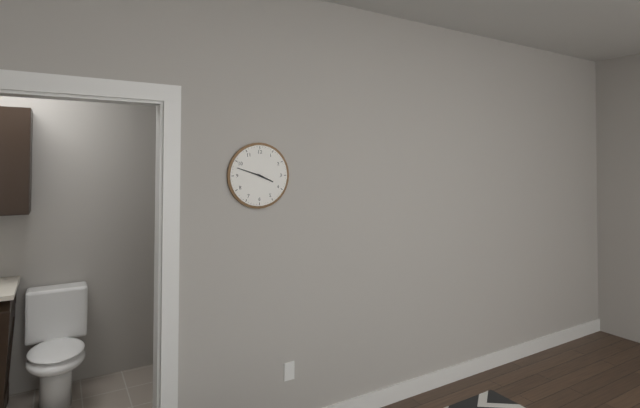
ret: {"hour": 3, "minute": 48}
